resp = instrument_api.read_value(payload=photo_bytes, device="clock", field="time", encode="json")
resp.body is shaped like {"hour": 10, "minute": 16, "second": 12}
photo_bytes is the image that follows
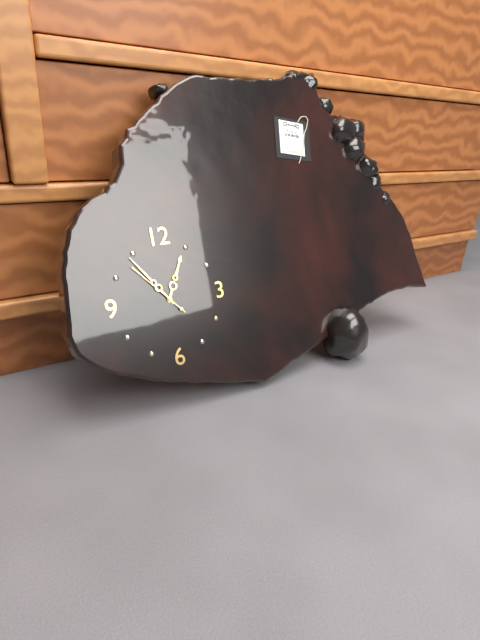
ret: {"hour": 12, "minute": 54, "second": 53}
